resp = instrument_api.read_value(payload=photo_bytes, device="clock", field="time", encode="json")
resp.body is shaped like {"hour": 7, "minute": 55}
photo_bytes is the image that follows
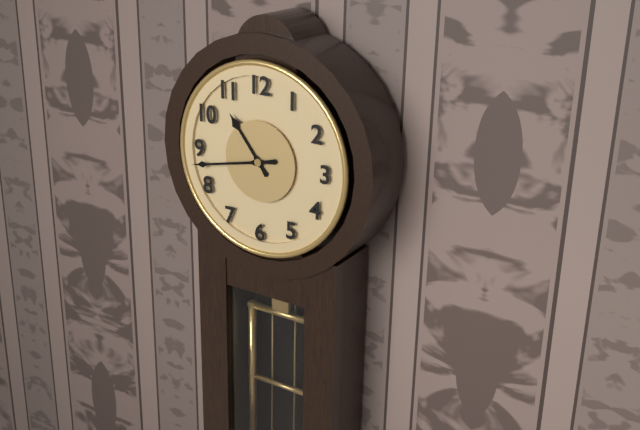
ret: {"hour": 10, "minute": 43}
